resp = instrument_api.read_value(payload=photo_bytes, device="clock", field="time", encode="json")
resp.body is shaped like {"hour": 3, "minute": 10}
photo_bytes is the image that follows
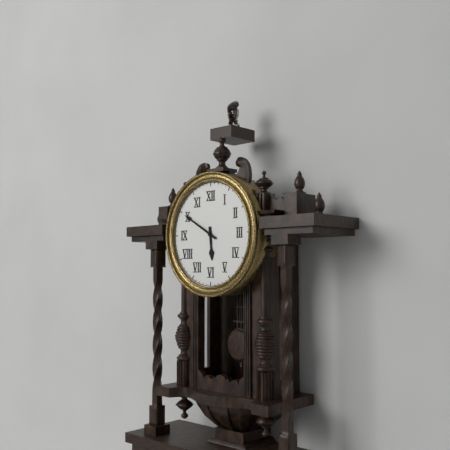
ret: {"hour": 5, "minute": 50}
